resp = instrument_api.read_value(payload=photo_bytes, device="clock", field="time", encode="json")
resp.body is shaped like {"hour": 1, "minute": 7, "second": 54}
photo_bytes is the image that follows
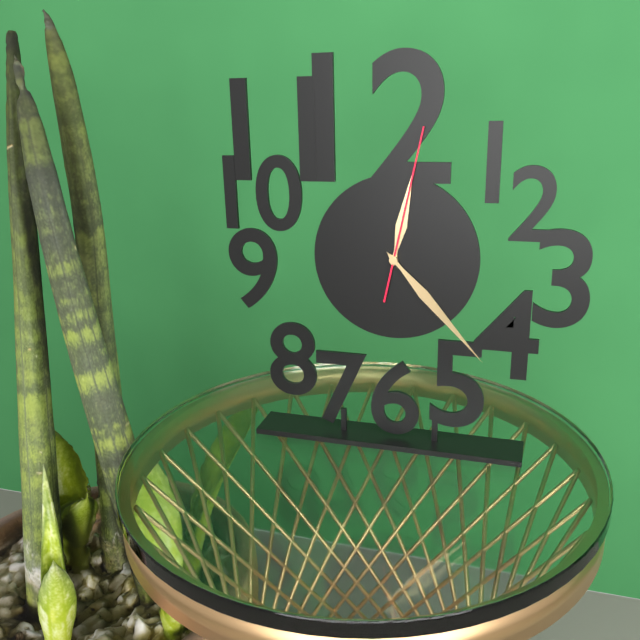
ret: {"hour": 12, "minute": 23, "second": 2}
